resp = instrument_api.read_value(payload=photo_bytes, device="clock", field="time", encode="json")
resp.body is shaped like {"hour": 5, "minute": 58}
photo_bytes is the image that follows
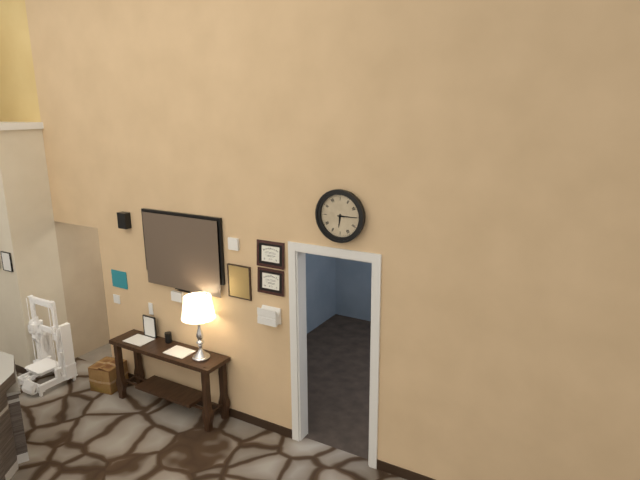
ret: {"hour": 6, "minute": 15}
